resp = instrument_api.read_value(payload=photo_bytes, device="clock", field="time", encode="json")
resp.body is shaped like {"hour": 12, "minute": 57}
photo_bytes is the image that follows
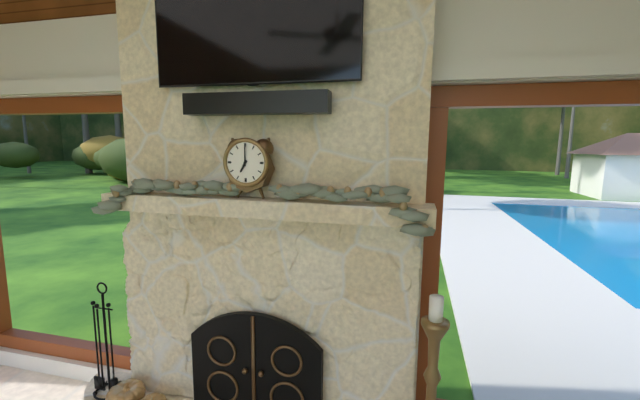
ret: {"hour": 7, "minute": 0}
